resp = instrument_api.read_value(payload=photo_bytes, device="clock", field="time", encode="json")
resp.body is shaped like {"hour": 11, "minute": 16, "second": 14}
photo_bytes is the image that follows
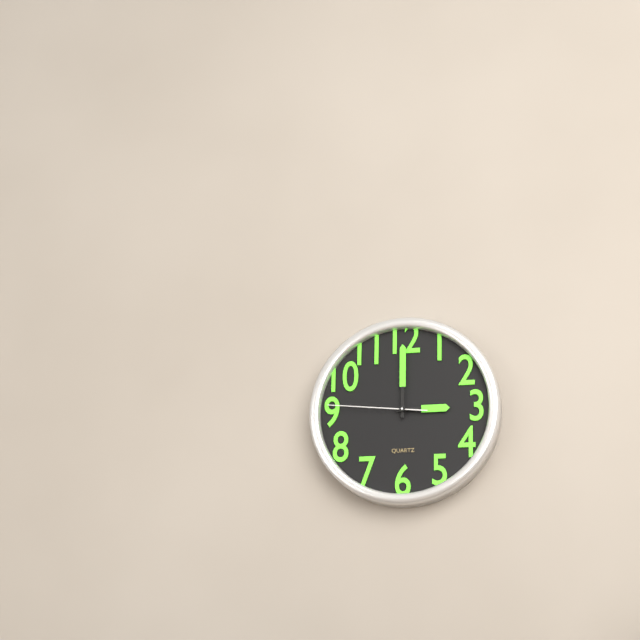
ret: {"hour": 3, "minute": 0, "second": 46}
